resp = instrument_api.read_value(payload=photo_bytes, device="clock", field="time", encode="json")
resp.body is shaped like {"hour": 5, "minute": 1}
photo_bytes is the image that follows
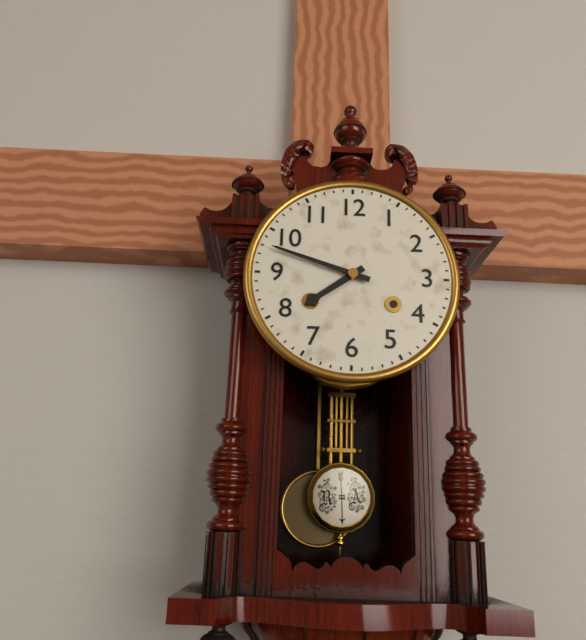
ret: {"hour": 7, "minute": 48}
